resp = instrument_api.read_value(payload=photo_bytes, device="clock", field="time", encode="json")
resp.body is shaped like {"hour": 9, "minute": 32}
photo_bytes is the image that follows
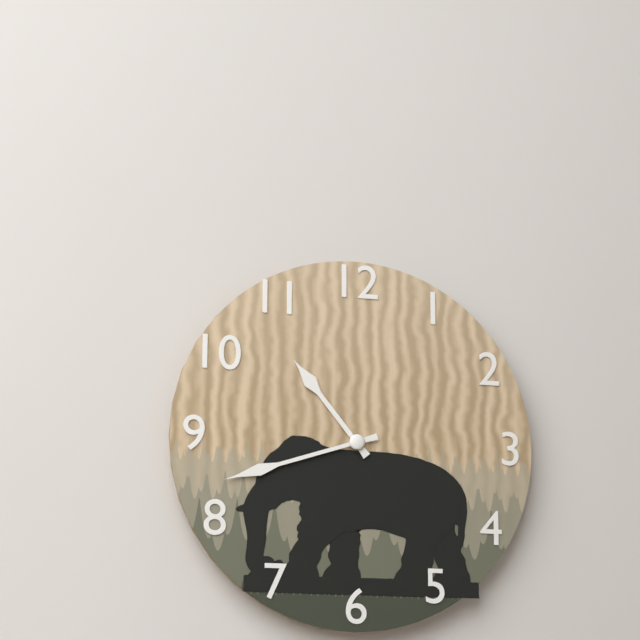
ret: {"hour": 10, "minute": 42}
